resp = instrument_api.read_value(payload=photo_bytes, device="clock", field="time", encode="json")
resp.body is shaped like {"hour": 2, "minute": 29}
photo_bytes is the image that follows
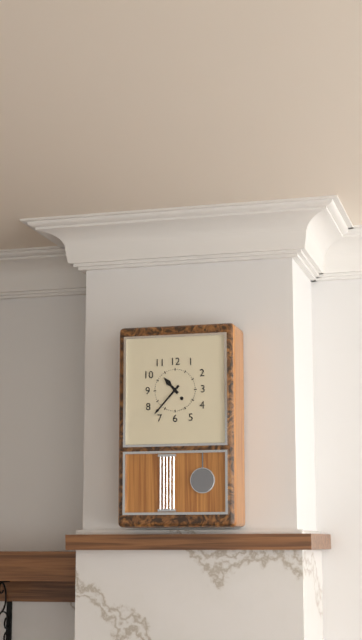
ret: {"hour": 10, "minute": 37}
